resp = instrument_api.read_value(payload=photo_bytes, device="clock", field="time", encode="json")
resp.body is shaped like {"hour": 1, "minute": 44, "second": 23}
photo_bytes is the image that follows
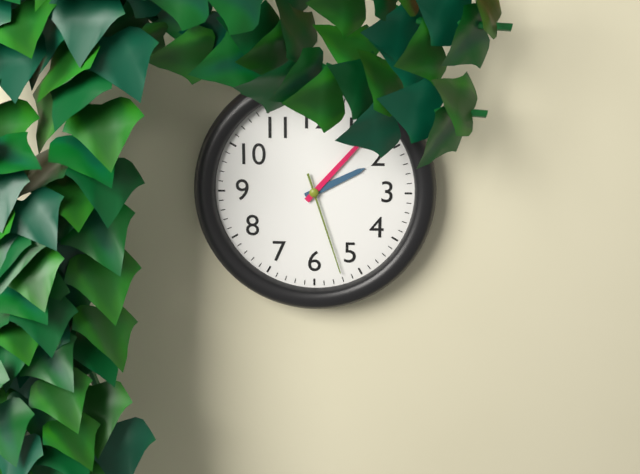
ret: {"hour": 2, "minute": 7, "second": 27}
